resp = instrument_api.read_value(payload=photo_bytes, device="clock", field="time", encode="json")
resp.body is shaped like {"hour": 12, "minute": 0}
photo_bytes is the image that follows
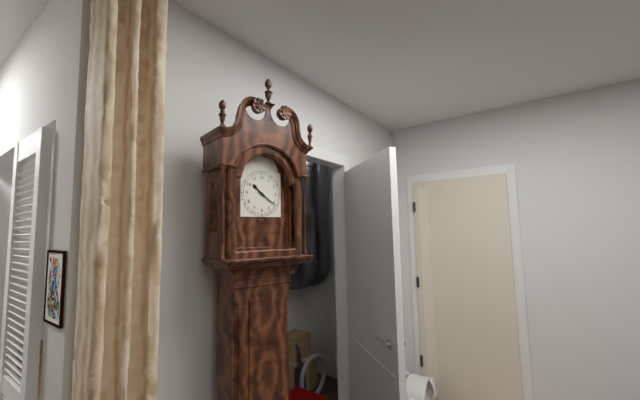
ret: {"hour": 10, "minute": 21}
